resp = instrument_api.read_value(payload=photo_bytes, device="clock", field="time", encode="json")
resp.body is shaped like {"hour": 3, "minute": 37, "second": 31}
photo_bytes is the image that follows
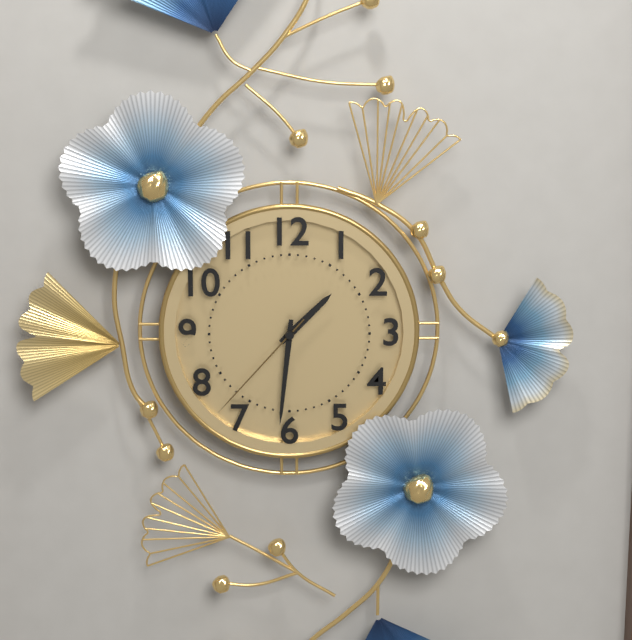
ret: {"hour": 1, "minute": 31, "second": 37}
